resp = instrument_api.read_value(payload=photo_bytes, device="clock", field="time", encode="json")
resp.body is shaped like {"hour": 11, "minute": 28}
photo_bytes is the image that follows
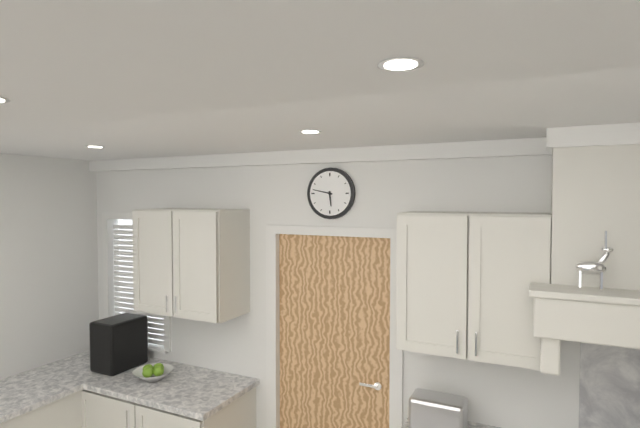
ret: {"hour": 5, "minute": 47}
